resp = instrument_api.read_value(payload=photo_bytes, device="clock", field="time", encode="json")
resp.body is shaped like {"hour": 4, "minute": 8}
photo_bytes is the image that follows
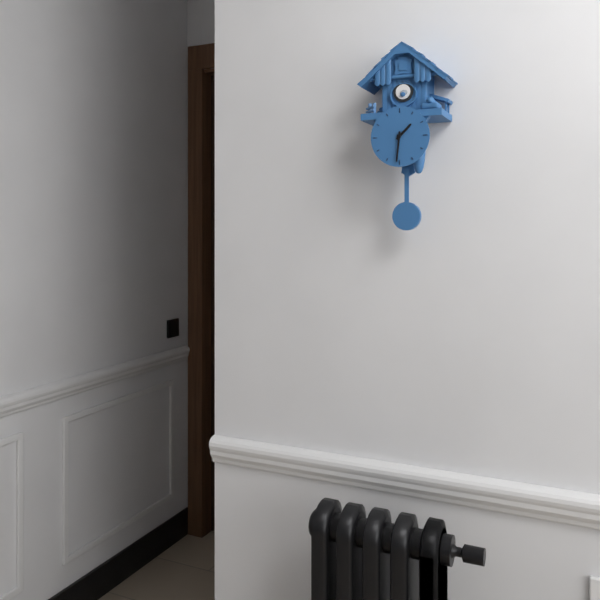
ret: {"hour": 1, "minute": 31}
